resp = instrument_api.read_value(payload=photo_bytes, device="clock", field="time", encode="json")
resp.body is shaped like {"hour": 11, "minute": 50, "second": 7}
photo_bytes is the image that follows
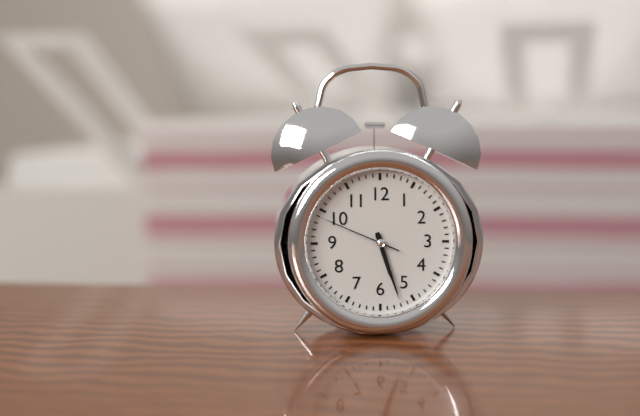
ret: {"hour": 5, "minute": 27, "second": 49}
